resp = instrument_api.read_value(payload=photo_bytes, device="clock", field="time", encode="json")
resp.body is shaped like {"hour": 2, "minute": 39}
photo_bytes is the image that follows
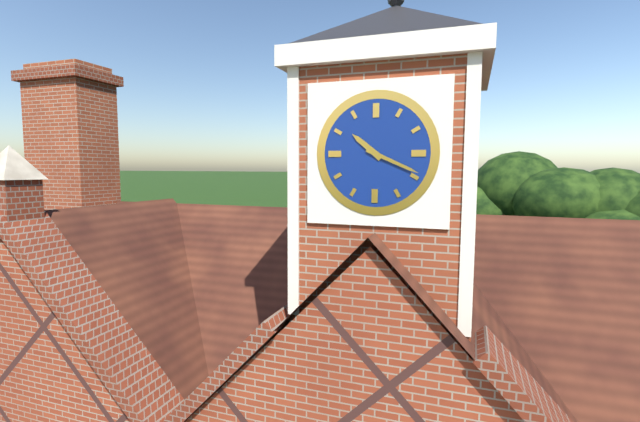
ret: {"hour": 10, "minute": 19}
